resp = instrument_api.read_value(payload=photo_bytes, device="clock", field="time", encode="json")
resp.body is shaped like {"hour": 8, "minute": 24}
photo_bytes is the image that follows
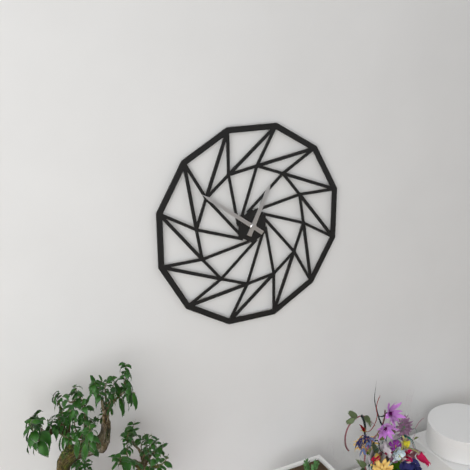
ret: {"hour": 12, "minute": 51}
